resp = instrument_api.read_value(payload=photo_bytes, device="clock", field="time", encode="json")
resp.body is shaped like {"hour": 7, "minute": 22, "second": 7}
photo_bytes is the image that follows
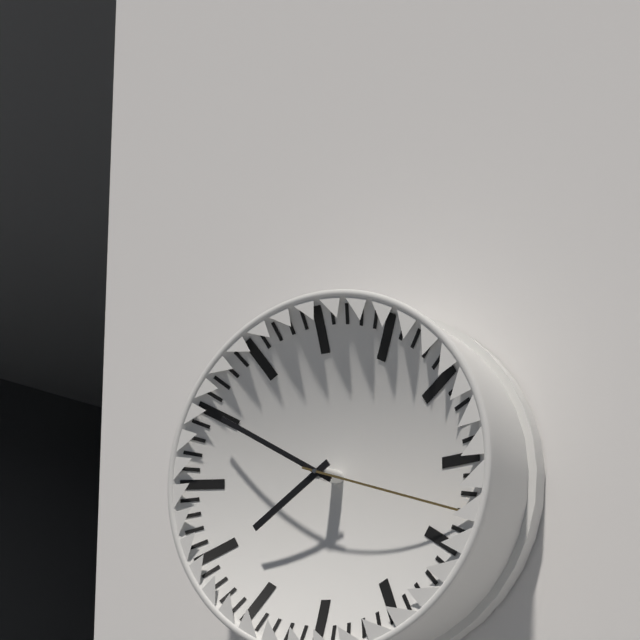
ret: {"hour": 7, "minute": 50, "second": 18}
